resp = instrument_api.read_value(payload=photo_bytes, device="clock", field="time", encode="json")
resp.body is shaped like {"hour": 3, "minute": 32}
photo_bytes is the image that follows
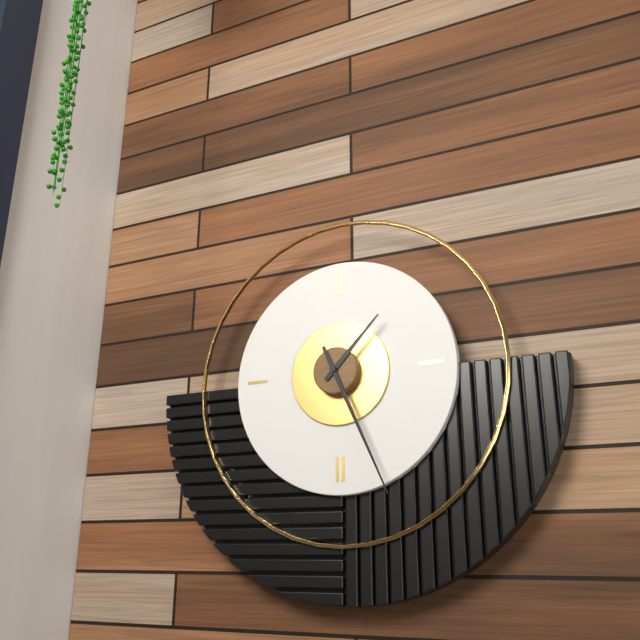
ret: {"hour": 1, "minute": 26}
